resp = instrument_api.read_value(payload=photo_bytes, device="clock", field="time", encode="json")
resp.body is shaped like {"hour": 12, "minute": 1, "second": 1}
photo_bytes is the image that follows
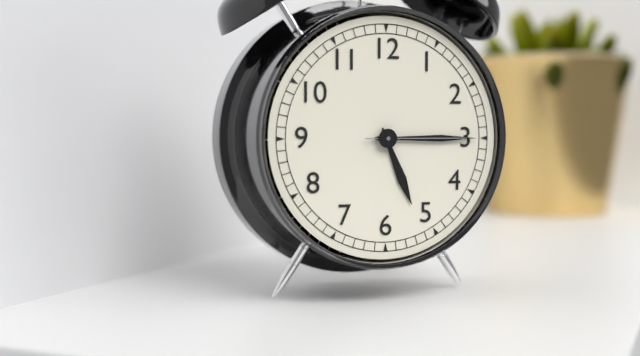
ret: {"hour": 5, "minute": 15, "second": 15}
